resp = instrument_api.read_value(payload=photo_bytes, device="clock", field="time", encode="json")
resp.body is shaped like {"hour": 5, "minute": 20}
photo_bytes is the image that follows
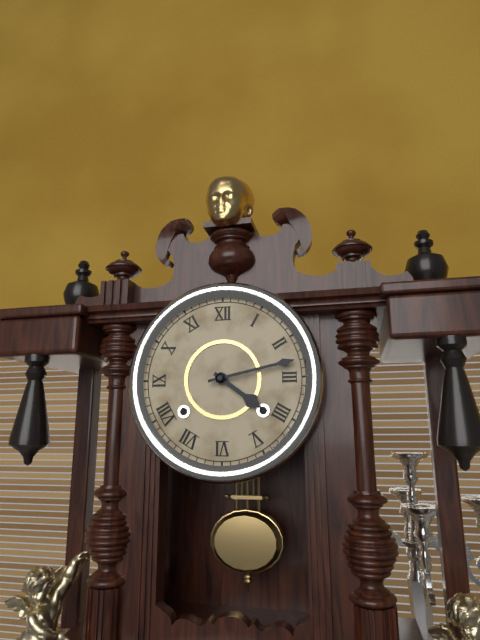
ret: {"hour": 4, "minute": 13}
